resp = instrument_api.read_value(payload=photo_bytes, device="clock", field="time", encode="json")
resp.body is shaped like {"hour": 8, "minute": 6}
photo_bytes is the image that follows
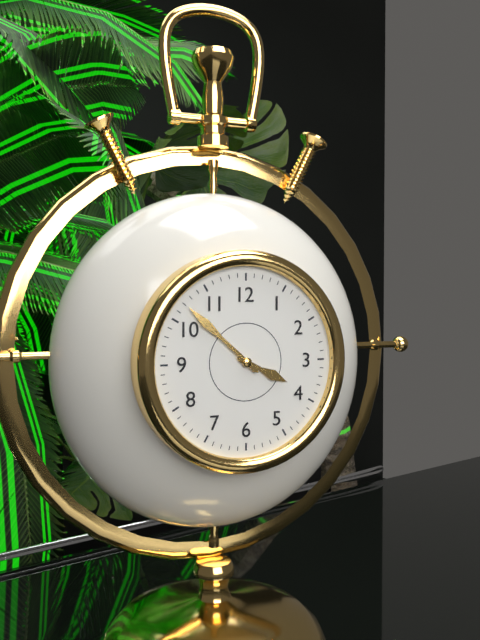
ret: {"hour": 3, "minute": 52}
